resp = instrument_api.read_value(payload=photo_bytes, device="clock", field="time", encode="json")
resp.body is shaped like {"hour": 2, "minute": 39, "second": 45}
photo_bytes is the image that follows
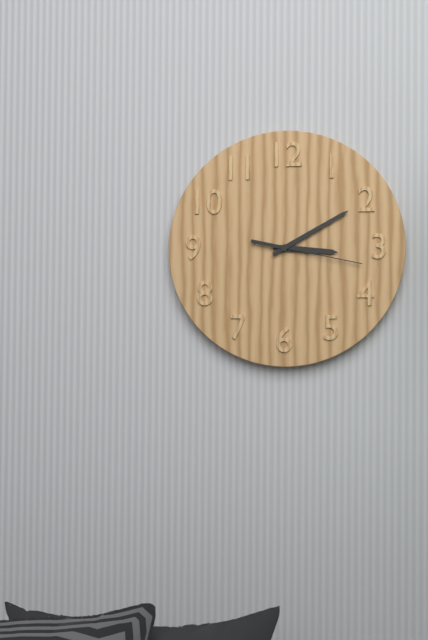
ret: {"hour": 3, "minute": 10, "second": 17}
